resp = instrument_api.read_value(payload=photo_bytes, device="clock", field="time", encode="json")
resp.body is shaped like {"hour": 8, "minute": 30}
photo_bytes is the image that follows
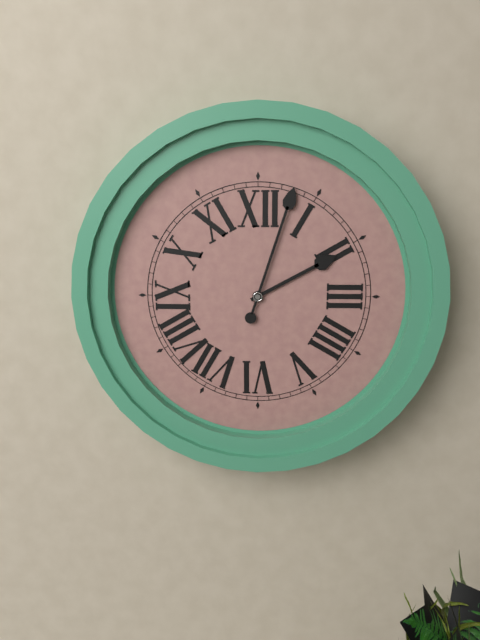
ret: {"hour": 2, "minute": 3}
